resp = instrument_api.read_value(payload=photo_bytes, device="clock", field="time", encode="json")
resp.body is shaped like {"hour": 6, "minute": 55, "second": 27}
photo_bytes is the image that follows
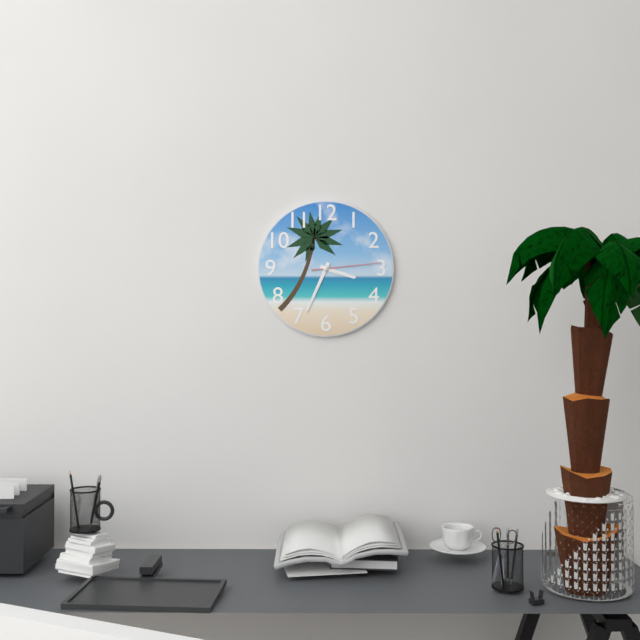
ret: {"hour": 3, "minute": 34, "second": 14}
